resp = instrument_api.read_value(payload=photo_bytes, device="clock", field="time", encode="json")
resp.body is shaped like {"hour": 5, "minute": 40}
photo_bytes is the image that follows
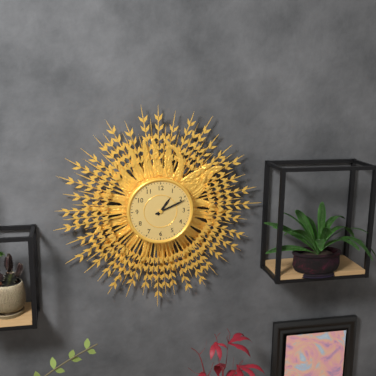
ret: {"hour": 1, "minute": 11}
